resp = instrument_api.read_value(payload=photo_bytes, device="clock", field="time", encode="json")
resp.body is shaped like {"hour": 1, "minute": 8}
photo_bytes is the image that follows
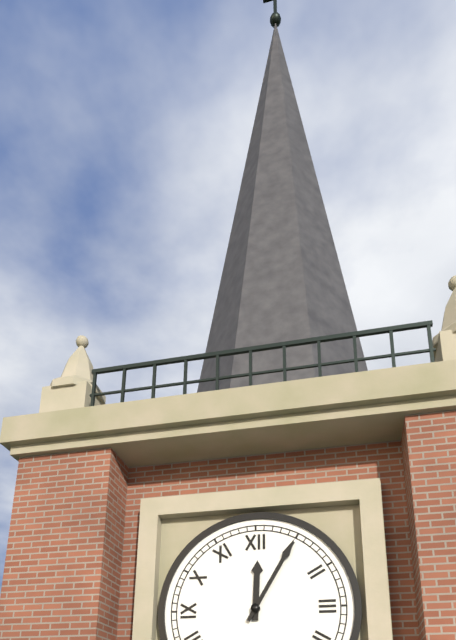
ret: {"hour": 12, "minute": 5}
